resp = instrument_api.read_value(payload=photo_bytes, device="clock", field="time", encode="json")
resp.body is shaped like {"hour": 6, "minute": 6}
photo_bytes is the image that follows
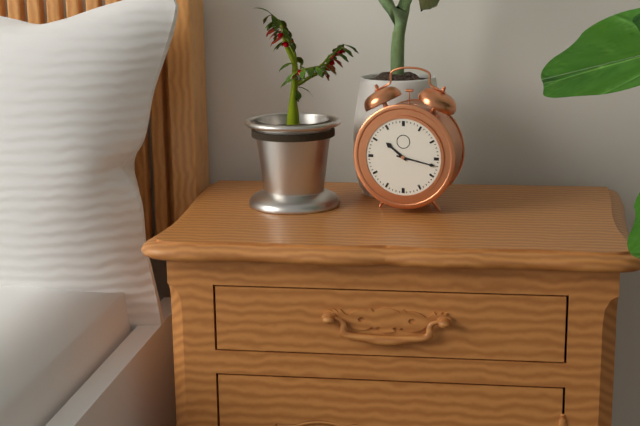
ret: {"hour": 10, "minute": 17}
